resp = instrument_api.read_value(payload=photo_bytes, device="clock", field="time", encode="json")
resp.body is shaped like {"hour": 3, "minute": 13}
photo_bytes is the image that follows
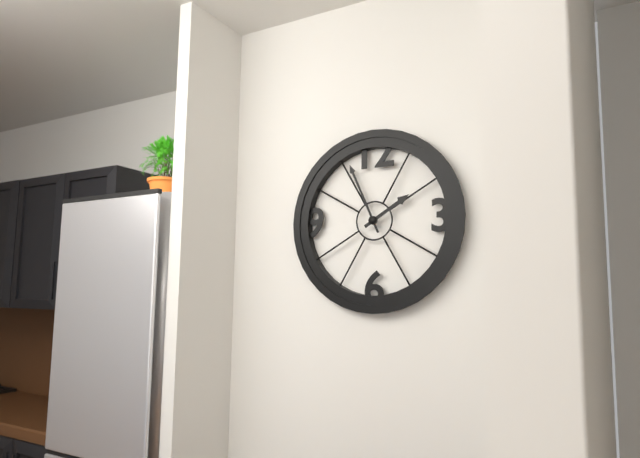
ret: {"hour": 1, "minute": 56}
